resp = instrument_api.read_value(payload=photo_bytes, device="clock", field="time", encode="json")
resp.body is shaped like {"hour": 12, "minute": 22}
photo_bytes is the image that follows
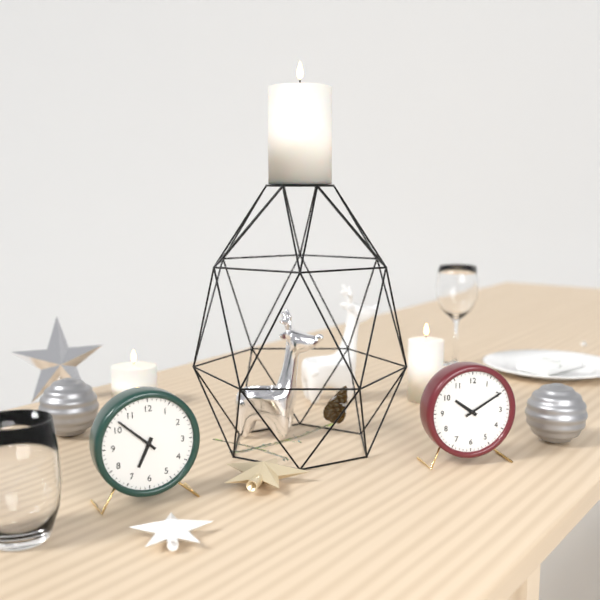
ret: {"hour": 6, "minute": 52}
